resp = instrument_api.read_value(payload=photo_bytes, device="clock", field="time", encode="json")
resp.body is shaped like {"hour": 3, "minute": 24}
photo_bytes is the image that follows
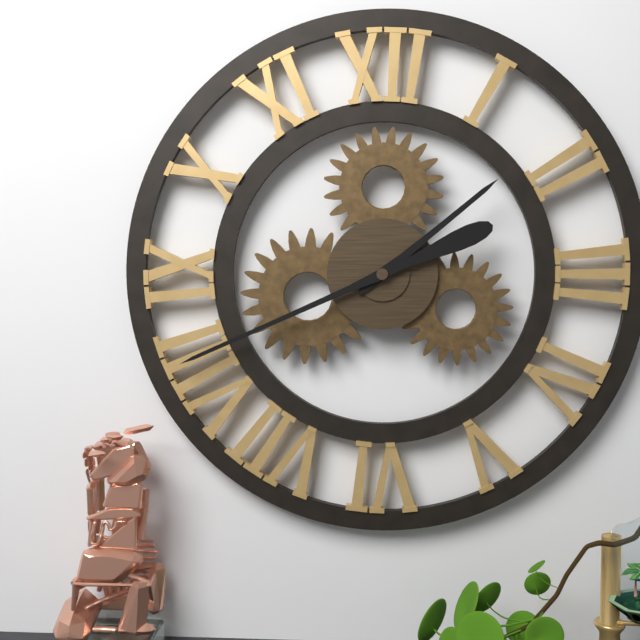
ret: {"hour": 1, "minute": 41}
